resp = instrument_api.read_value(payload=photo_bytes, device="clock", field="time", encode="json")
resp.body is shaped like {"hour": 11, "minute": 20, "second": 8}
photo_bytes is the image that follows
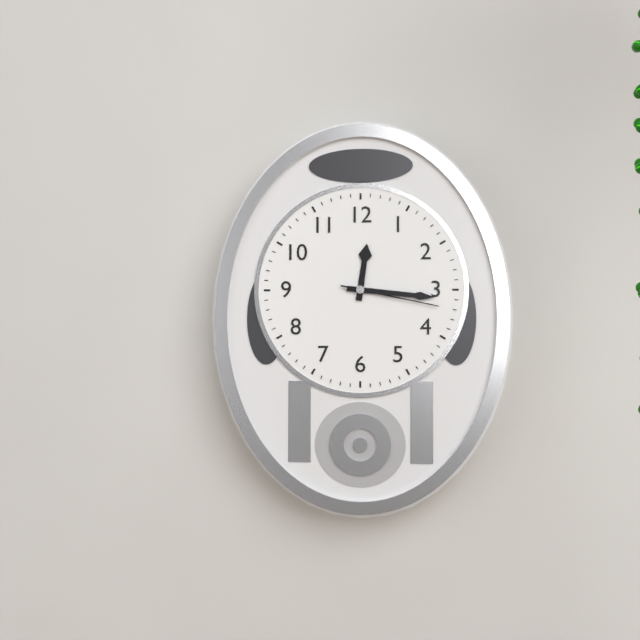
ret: {"hour": 12, "minute": 16, "second": 17}
